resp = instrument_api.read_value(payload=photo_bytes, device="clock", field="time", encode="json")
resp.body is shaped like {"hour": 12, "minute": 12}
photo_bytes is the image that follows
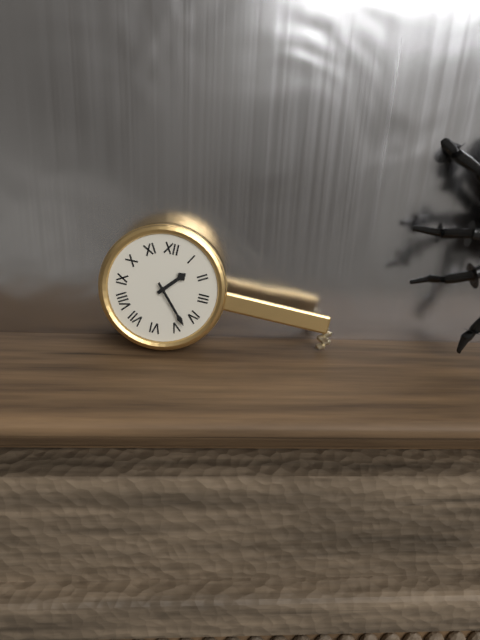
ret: {"hour": 1, "minute": 23}
